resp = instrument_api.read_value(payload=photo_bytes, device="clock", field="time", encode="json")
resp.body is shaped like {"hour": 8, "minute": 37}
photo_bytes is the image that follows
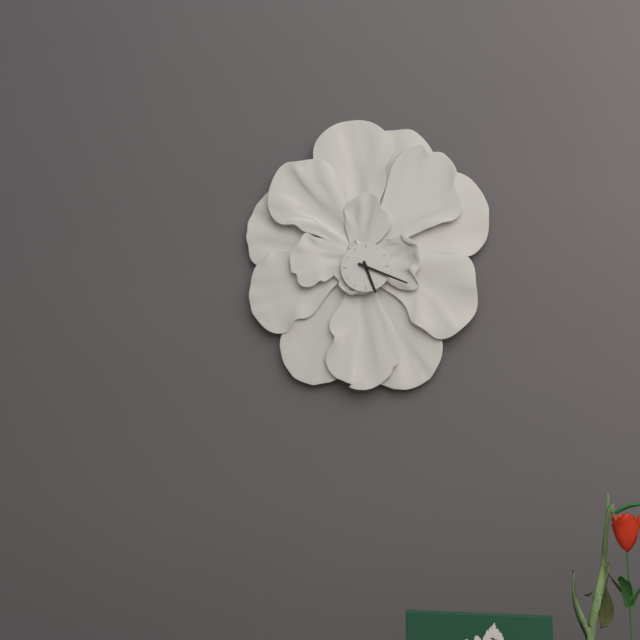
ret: {"hour": 5, "minute": 19}
